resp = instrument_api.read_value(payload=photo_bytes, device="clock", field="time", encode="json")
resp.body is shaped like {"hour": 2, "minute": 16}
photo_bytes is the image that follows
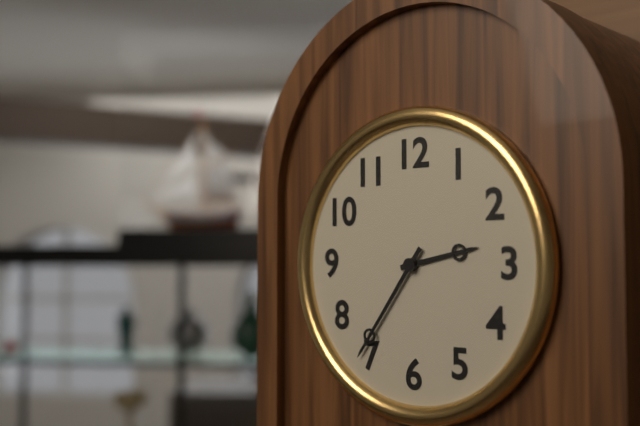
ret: {"hour": 2, "minute": 36}
